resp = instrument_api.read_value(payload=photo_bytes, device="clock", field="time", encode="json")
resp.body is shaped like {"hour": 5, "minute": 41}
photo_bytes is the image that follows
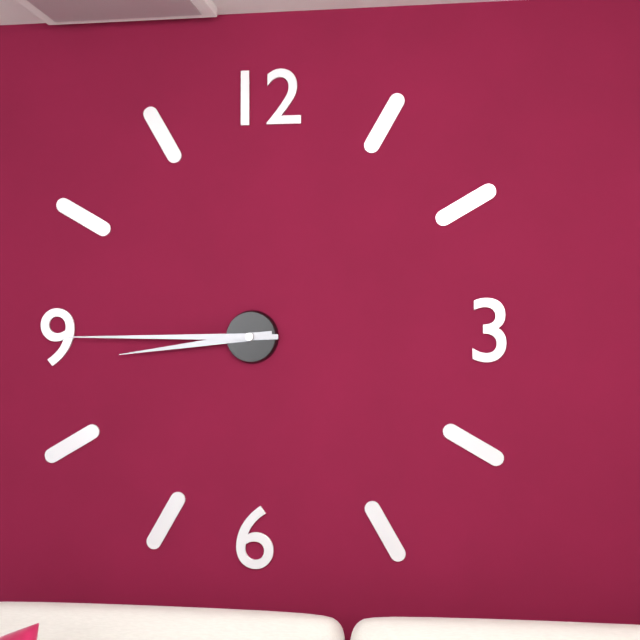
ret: {"hour": 8, "minute": 45}
